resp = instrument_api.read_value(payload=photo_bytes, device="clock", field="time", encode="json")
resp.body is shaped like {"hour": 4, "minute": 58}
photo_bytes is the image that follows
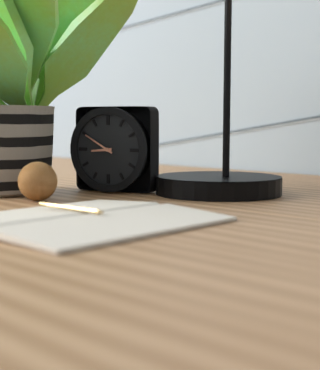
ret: {"hour": 8, "minute": 50}
